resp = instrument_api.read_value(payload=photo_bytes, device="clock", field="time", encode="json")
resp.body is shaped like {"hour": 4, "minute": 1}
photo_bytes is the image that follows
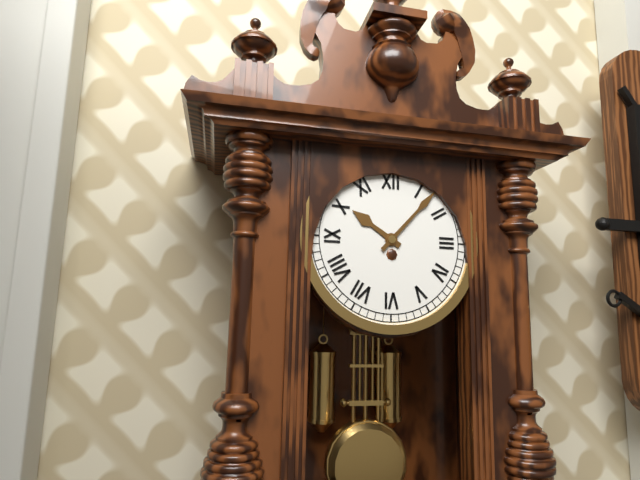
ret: {"hour": 10, "minute": 7}
